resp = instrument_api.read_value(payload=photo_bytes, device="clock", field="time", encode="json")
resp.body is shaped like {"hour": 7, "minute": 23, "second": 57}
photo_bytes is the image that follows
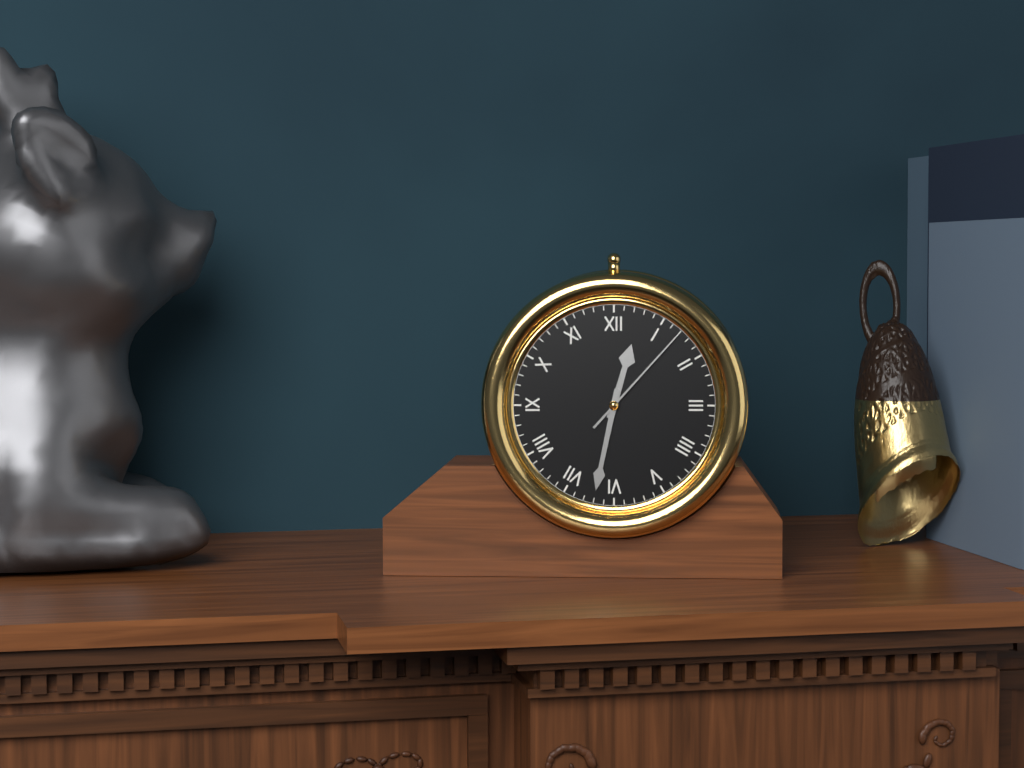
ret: {"hour": 12, "minute": 32, "second": 7}
